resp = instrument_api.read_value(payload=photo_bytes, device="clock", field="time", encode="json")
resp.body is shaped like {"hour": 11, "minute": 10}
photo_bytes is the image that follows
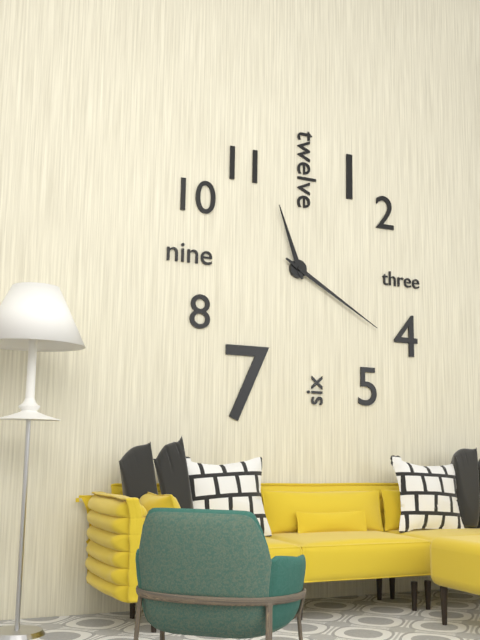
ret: {"hour": 11, "minute": 20}
